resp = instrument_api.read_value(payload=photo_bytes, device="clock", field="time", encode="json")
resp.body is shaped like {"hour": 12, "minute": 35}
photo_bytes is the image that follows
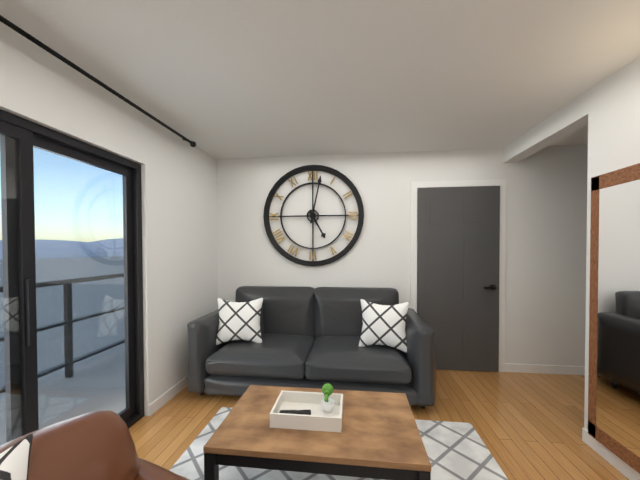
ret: {"hour": 5, "minute": 2}
